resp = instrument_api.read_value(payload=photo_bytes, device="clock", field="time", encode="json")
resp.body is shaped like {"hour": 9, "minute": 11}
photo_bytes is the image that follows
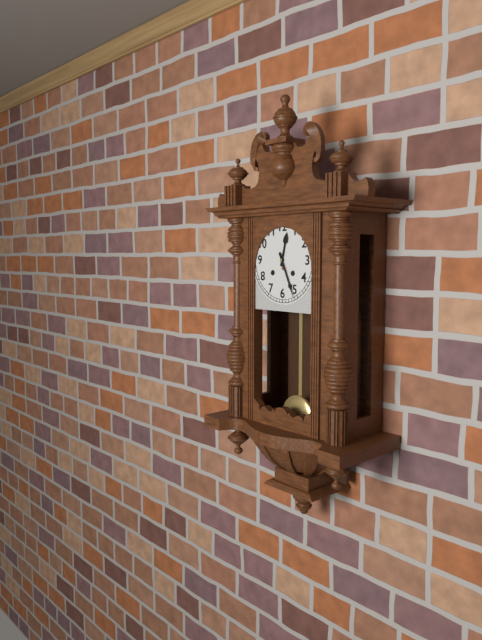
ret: {"hour": 12, "minute": 26}
